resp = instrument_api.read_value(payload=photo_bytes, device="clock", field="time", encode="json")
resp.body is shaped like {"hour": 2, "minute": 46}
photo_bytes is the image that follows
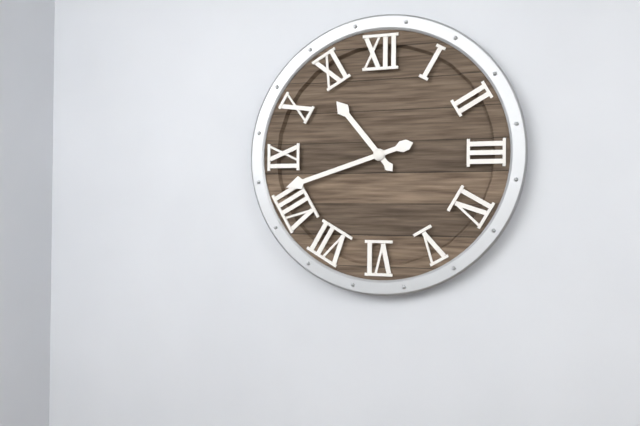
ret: {"hour": 10, "minute": 42}
